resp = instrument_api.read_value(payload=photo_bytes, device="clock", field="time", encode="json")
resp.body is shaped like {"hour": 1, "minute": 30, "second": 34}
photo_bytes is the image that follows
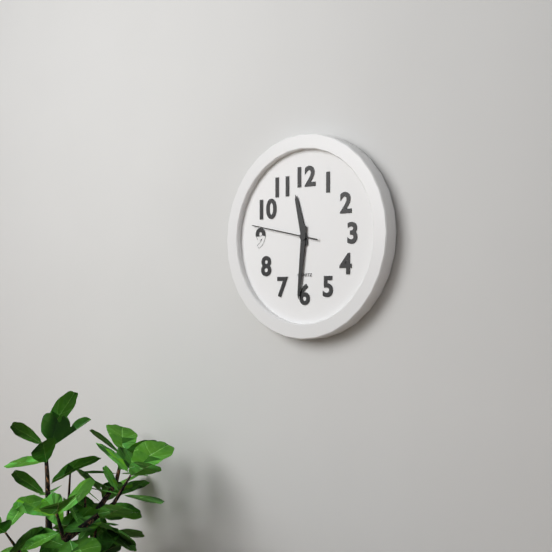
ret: {"hour": 11, "minute": 31, "second": 47}
